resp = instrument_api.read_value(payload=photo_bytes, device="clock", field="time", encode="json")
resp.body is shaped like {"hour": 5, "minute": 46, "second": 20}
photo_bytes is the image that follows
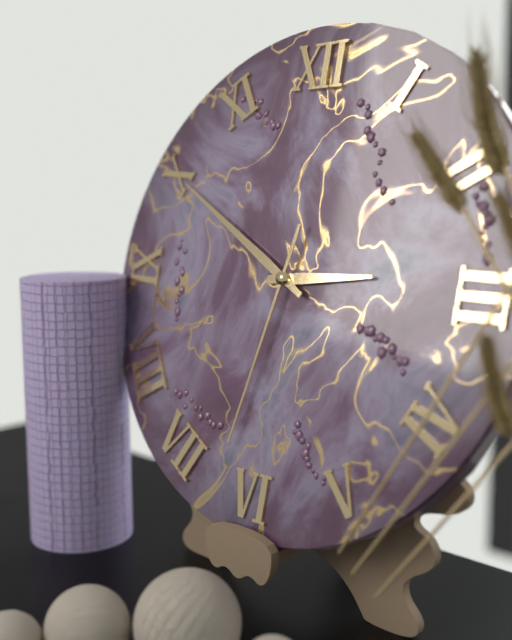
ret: {"hour": 2, "minute": 50, "second": 32}
